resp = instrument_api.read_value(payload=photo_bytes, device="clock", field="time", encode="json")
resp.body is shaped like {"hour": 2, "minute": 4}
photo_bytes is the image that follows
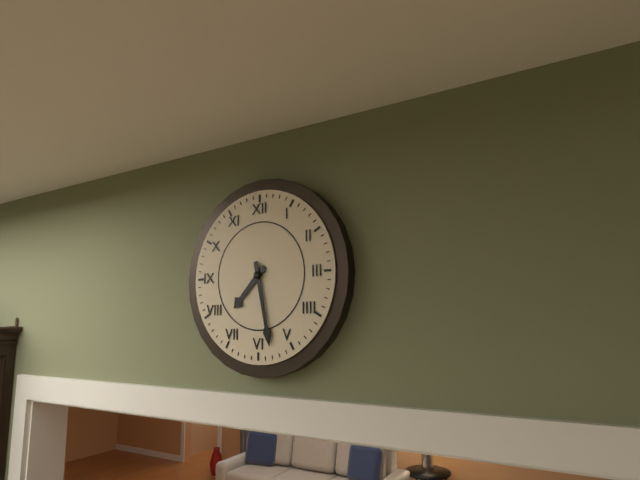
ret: {"hour": 7, "minute": 28}
